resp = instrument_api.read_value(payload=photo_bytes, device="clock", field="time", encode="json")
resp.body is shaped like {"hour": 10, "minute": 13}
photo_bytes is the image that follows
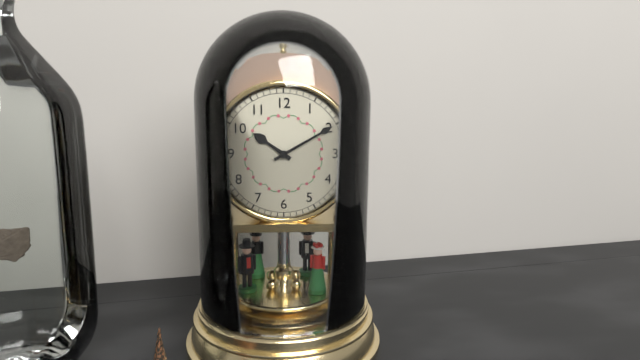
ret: {"hour": 10, "minute": 10}
